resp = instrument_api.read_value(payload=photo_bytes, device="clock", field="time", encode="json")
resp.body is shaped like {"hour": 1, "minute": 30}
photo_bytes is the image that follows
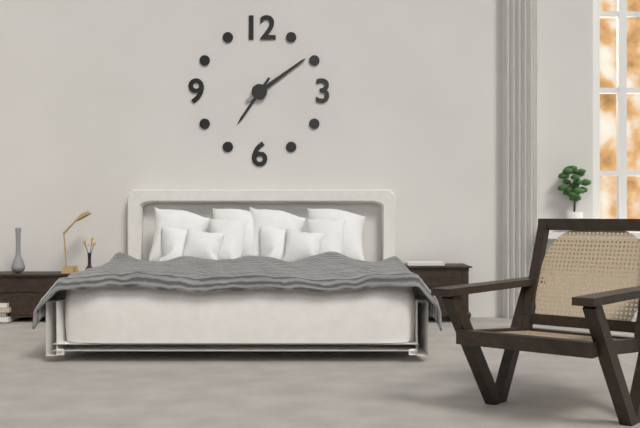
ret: {"hour": 7, "minute": 9}
